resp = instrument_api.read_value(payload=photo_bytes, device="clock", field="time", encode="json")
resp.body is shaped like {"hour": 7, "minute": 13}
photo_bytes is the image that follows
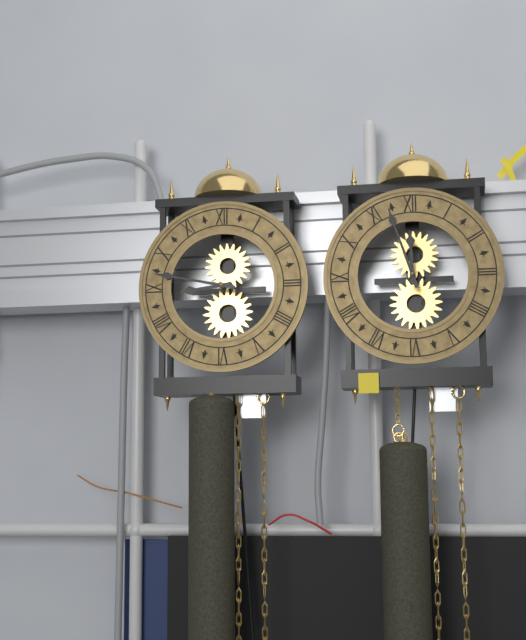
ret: {"hour": 8, "minute": 47}
